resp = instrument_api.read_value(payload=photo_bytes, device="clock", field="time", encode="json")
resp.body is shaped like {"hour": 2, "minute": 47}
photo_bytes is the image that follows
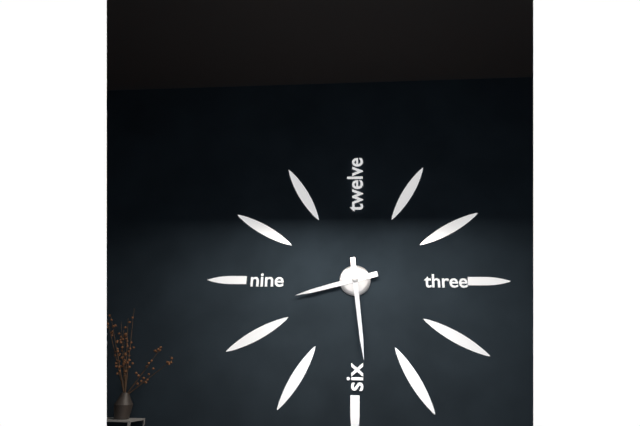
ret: {"hour": 8, "minute": 29}
